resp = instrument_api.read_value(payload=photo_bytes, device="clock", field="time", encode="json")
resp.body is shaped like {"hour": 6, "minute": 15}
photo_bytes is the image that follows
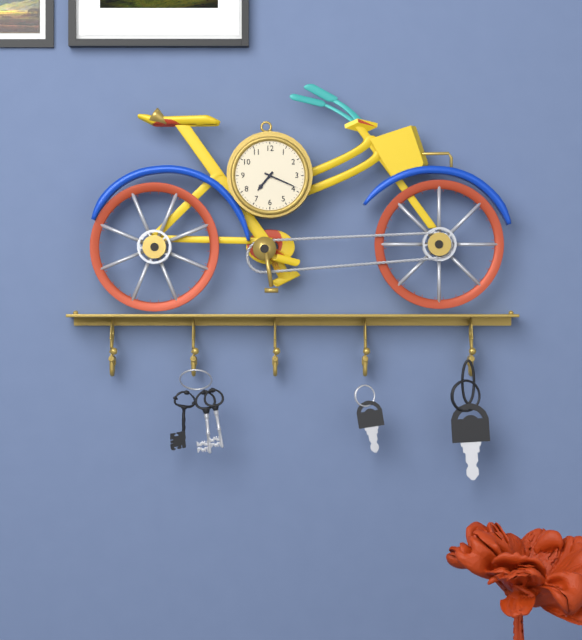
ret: {"hour": 7, "minute": 19}
